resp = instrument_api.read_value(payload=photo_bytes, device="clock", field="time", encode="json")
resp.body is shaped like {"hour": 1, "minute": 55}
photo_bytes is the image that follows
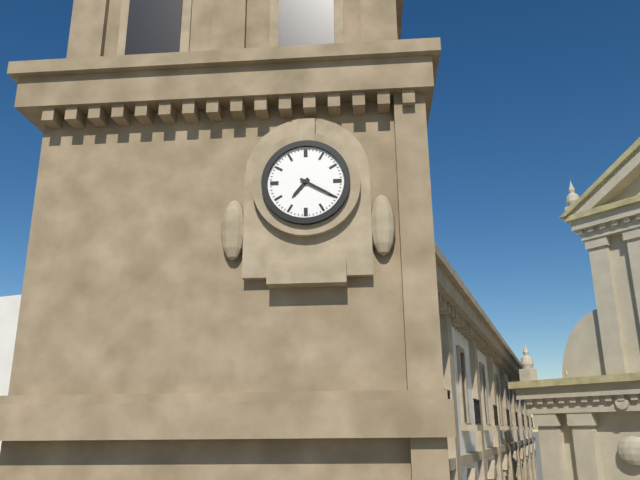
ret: {"hour": 7, "minute": 20}
